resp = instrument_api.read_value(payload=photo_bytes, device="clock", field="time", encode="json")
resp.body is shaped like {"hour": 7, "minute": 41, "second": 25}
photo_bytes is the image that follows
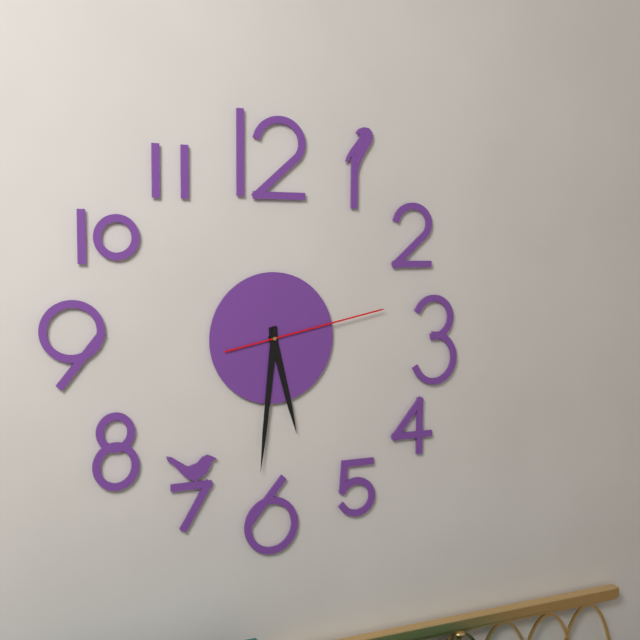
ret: {"hour": 5, "minute": 31, "second": 13}
